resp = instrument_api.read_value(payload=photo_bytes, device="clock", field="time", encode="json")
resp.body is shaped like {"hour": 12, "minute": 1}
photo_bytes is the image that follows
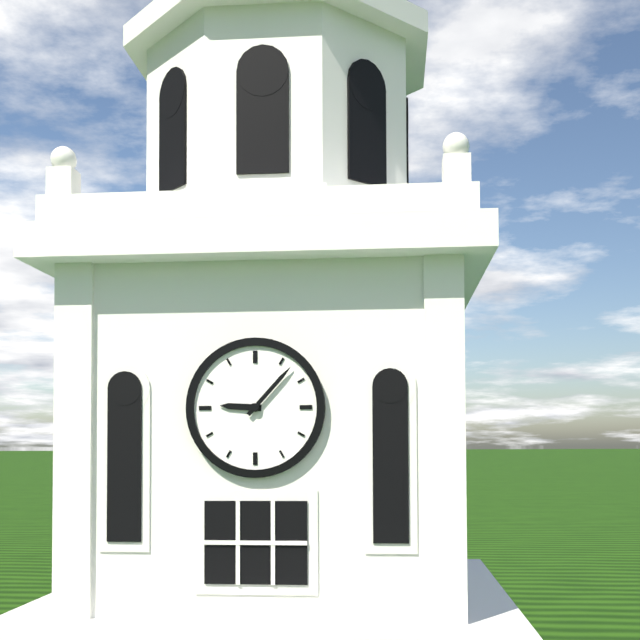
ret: {"hour": 9, "minute": 7}
